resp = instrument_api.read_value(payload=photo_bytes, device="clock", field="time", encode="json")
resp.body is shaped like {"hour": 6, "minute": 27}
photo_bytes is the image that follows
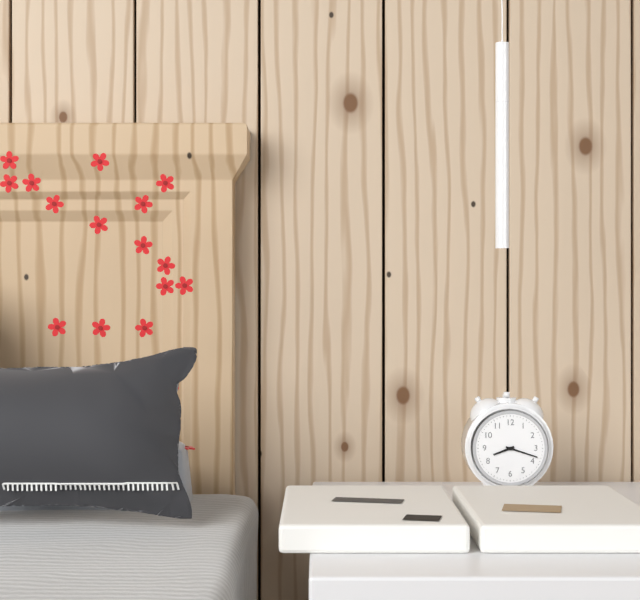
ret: {"hour": 8, "minute": 18}
